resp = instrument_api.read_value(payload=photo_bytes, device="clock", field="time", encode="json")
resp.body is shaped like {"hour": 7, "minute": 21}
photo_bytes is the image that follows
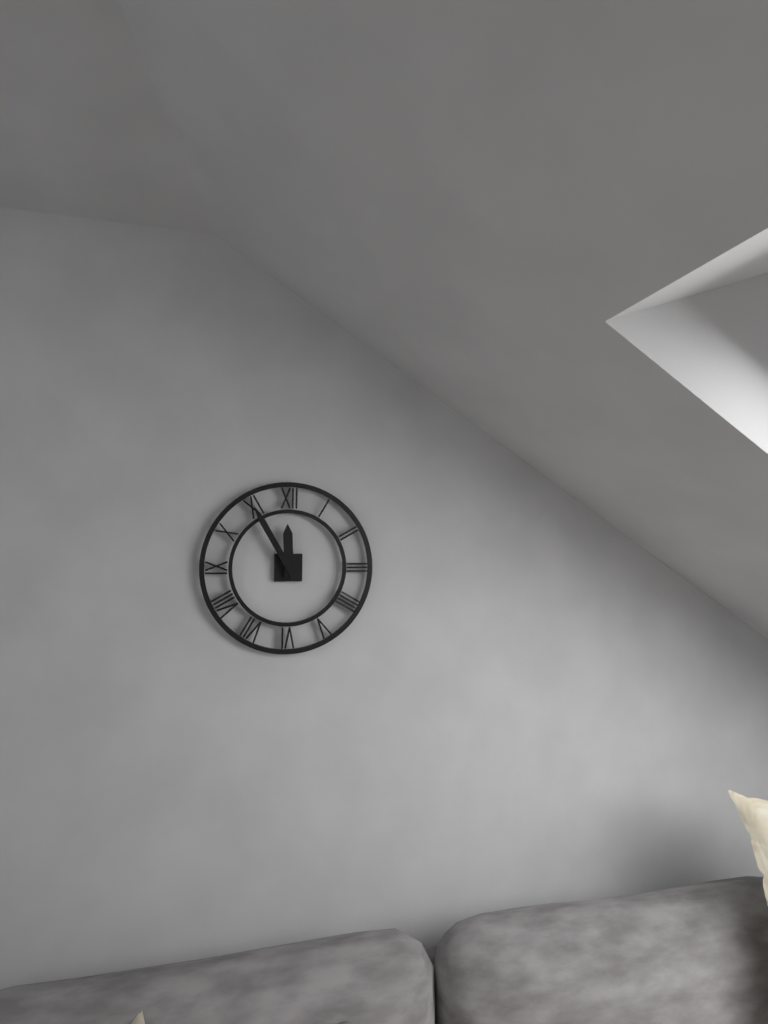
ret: {"hour": 11, "minute": 55}
